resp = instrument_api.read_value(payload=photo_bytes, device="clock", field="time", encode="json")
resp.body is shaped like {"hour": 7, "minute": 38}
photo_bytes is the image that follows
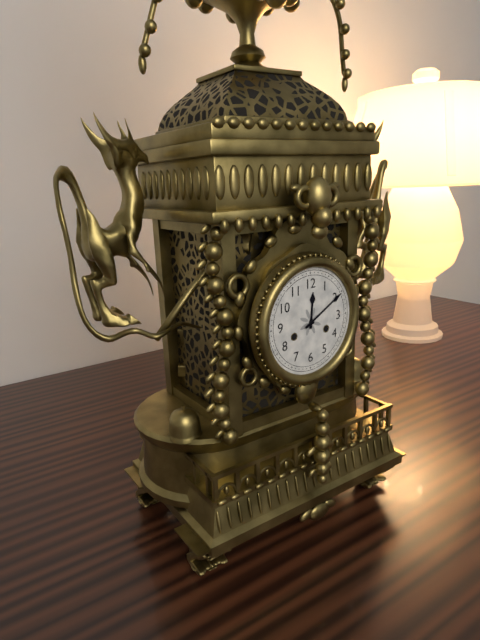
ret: {"hour": 12, "minute": 10}
